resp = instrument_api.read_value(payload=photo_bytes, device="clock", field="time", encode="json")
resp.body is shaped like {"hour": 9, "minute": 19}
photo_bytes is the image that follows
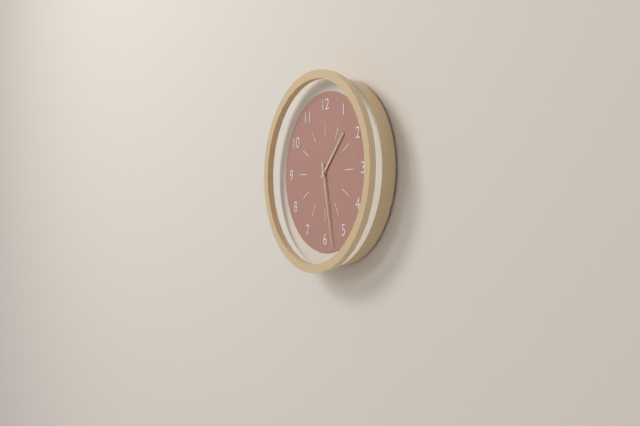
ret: {"hour": 1, "minute": 28}
